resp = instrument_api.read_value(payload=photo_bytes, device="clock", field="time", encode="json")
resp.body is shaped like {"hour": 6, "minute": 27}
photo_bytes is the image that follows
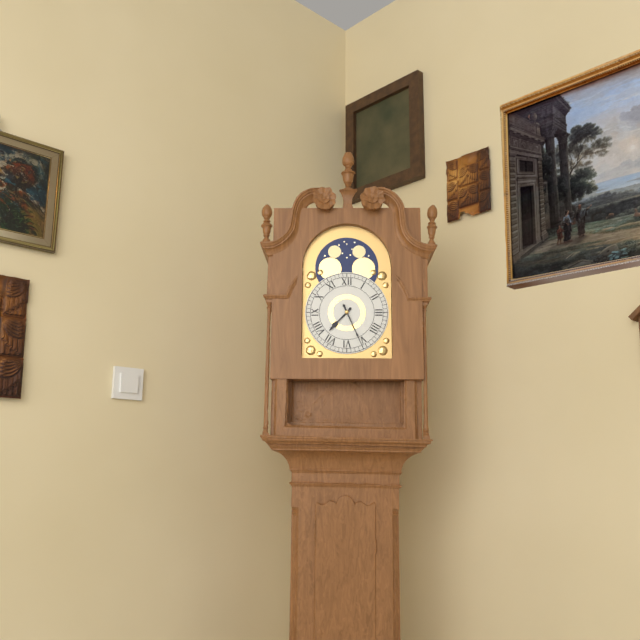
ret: {"hour": 7, "minute": 26}
